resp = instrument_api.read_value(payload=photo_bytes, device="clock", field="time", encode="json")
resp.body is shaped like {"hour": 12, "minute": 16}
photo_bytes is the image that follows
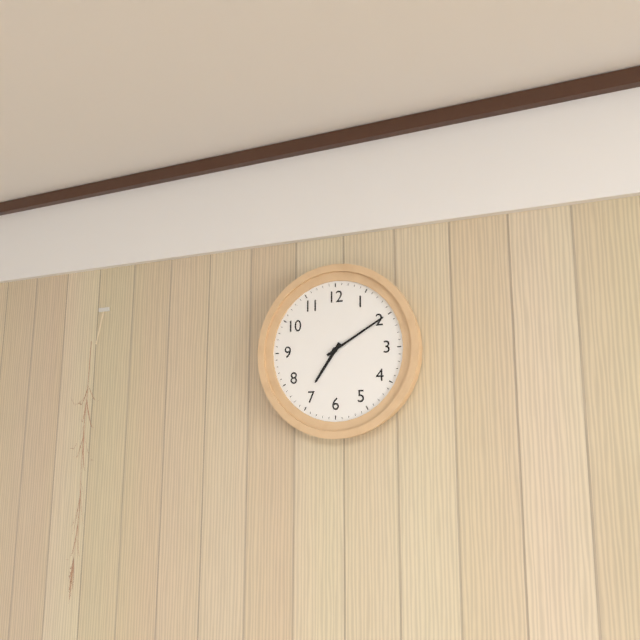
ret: {"hour": 7, "minute": 10}
